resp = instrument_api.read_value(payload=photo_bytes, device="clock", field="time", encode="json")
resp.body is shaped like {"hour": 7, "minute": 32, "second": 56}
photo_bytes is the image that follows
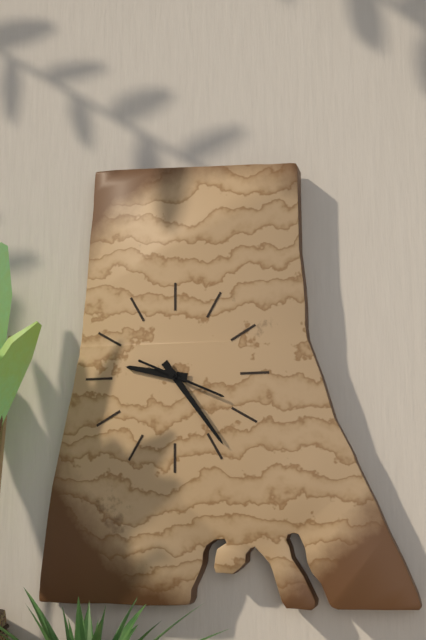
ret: {"hour": 9, "minute": 24, "second": 19}
